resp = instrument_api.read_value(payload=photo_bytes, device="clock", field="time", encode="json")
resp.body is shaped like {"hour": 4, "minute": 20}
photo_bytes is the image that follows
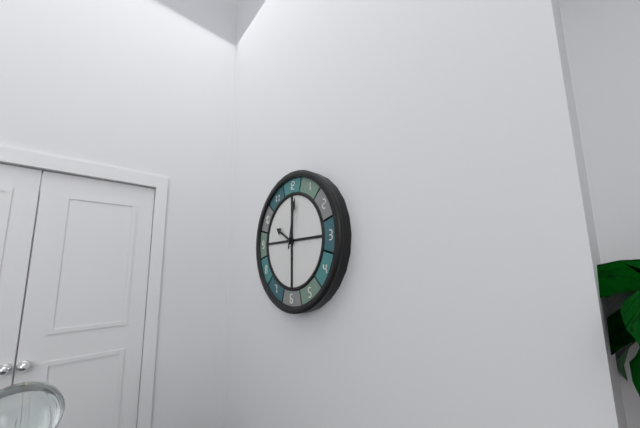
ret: {"hour": 10, "minute": 2}
